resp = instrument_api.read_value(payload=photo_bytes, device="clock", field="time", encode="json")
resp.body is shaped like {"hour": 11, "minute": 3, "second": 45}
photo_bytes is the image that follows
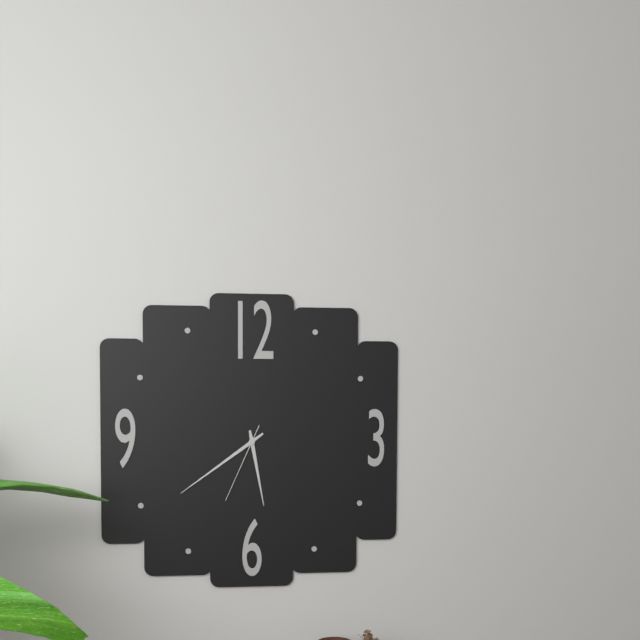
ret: {"hour": 5, "minute": 39, "second": 34}
